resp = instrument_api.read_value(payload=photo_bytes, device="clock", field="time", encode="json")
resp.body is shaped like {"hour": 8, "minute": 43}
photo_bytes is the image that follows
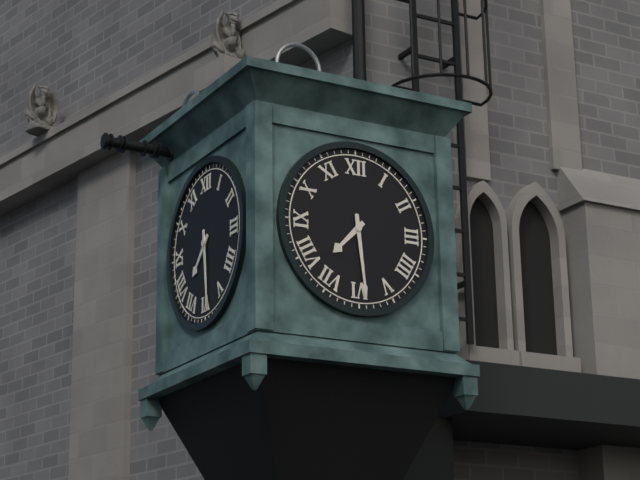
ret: {"hour": 7, "minute": 29}
